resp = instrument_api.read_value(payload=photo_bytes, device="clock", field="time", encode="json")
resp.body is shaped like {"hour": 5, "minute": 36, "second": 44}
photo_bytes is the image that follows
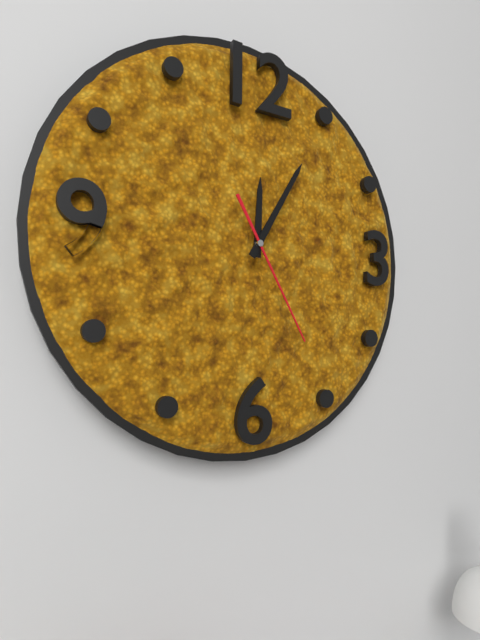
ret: {"hour": 12, "minute": 5, "second": 25}
